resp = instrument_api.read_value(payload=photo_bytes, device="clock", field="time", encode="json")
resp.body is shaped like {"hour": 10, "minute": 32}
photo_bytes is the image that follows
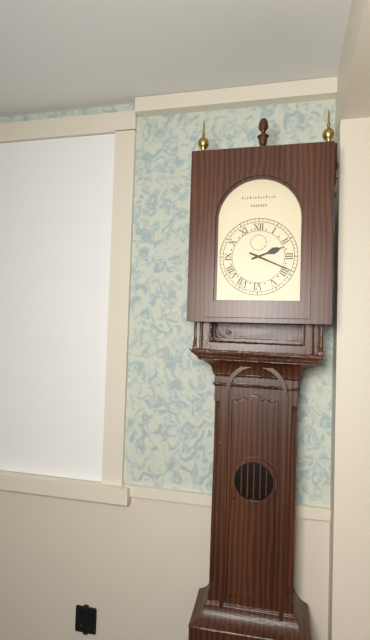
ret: {"hour": 2, "minute": 19}
